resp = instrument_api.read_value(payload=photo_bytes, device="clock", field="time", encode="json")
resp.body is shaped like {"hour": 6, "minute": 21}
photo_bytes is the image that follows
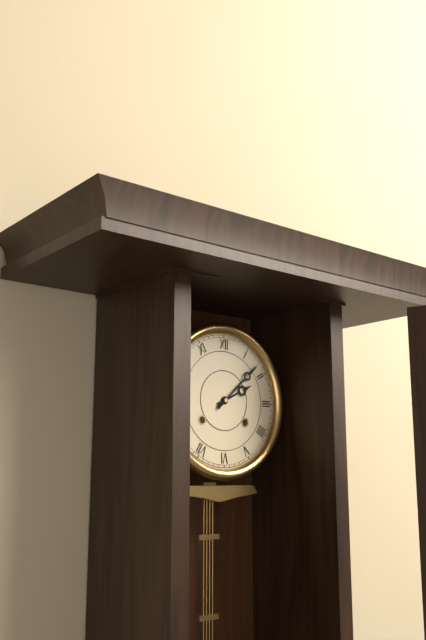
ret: {"hour": 2, "minute": 8}
